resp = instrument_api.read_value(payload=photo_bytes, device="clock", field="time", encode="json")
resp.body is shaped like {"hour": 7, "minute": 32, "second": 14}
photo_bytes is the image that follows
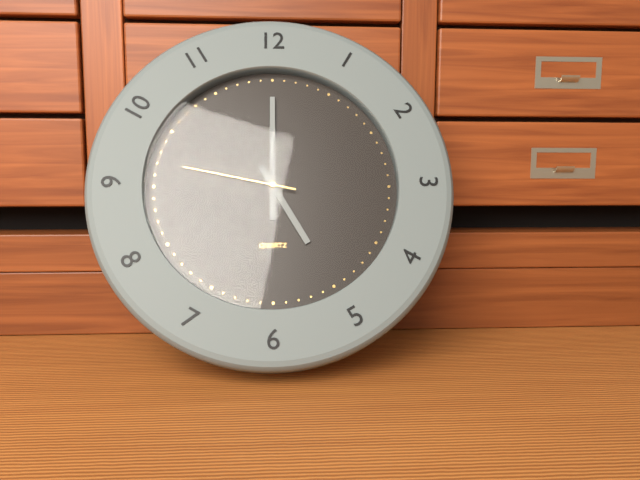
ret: {"hour": 5, "minute": 0, "second": 47}
